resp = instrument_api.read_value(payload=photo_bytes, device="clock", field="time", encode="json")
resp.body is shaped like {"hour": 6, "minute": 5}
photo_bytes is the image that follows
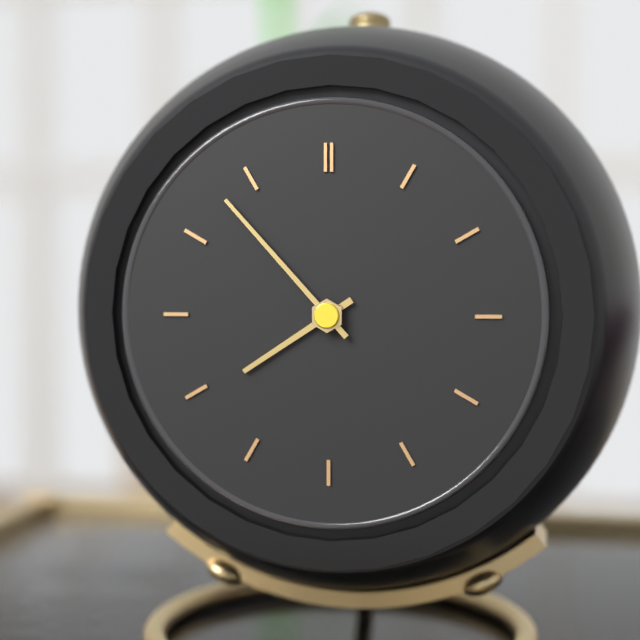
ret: {"hour": 7, "minute": 53}
